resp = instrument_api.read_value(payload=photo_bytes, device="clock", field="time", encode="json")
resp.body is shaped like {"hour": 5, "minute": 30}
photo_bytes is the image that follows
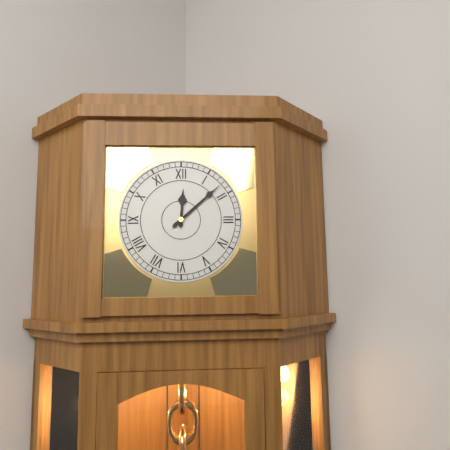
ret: {"hour": 12, "minute": 8}
